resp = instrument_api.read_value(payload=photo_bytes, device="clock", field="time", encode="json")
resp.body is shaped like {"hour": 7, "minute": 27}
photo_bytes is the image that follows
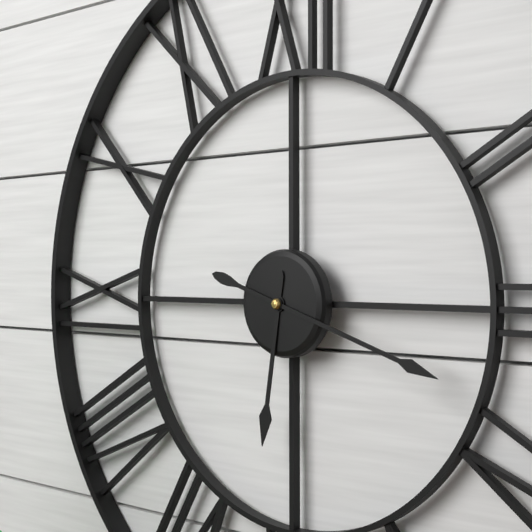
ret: {"hour": 6, "minute": 18}
